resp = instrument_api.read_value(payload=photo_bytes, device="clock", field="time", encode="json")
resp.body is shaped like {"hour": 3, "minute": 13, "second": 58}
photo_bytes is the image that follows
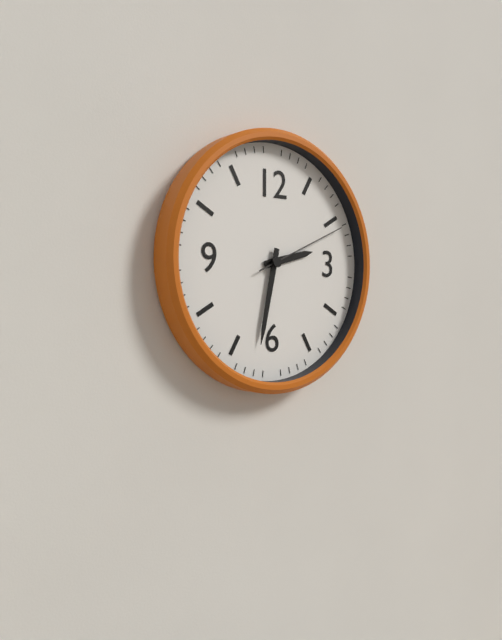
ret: {"hour": 2, "minute": 32, "second": 11}
